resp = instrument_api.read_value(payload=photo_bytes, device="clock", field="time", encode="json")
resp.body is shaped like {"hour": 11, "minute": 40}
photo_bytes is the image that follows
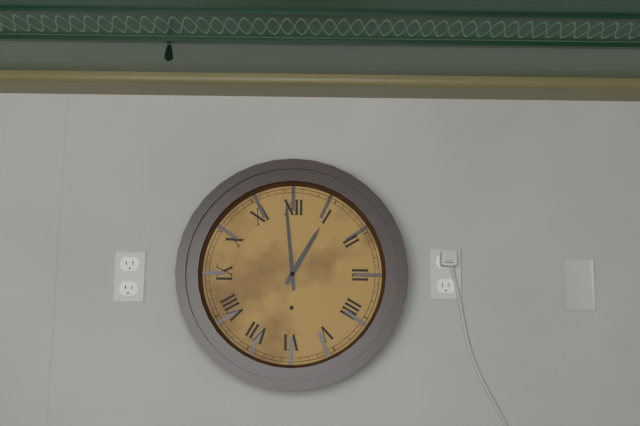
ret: {"hour": 12, "minute": 59}
